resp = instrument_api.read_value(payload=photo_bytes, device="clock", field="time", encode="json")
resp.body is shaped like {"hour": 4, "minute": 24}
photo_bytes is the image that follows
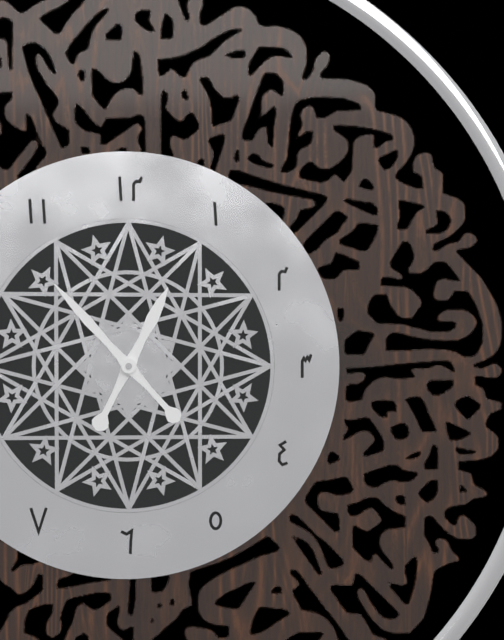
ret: {"hour": 12, "minute": 53}
